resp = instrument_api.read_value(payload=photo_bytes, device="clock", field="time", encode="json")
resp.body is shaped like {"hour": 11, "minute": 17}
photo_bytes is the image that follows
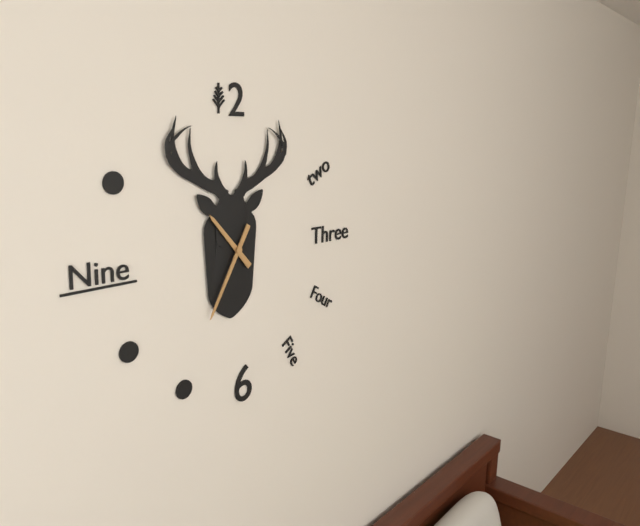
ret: {"hour": 10, "minute": 35}
